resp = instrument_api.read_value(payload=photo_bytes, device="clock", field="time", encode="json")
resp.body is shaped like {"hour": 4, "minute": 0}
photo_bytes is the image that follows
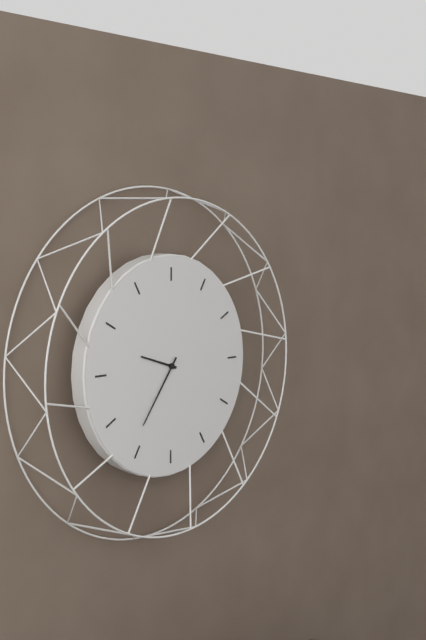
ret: {"hour": 9, "minute": 36}
